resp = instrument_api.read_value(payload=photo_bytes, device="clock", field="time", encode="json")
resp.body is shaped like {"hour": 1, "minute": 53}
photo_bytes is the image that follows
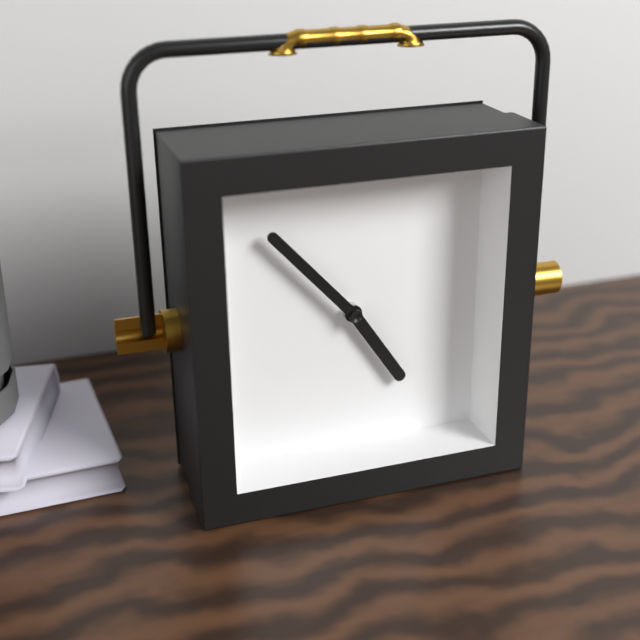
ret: {"hour": 4, "minute": 53}
